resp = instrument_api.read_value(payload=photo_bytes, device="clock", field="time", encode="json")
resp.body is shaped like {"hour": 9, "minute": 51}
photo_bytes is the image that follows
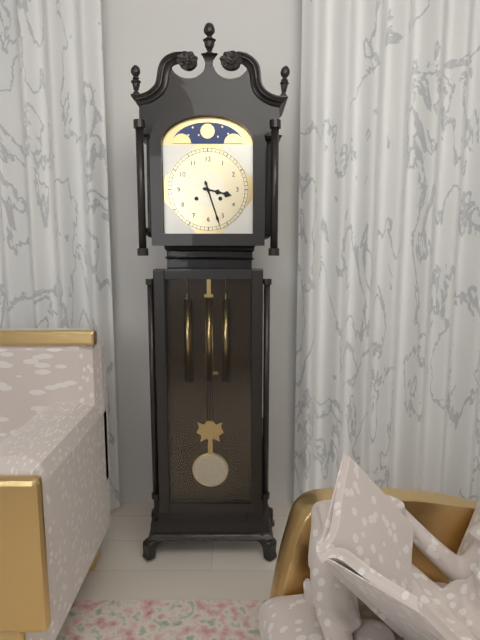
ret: {"hour": 3, "minute": 27}
